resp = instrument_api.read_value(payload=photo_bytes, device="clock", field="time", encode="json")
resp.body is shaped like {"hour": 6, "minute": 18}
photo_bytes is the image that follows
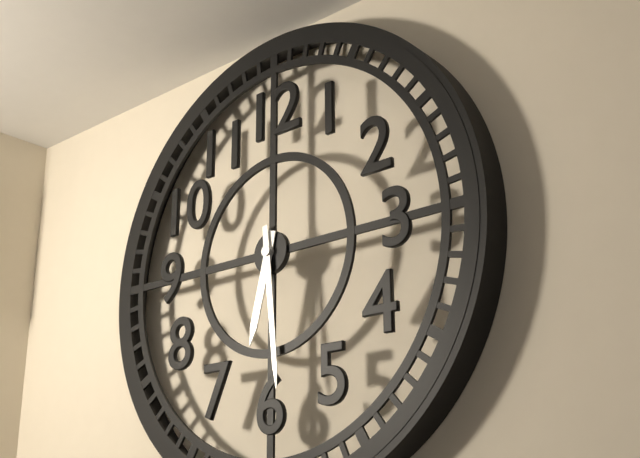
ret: {"hour": 6, "minute": 29}
